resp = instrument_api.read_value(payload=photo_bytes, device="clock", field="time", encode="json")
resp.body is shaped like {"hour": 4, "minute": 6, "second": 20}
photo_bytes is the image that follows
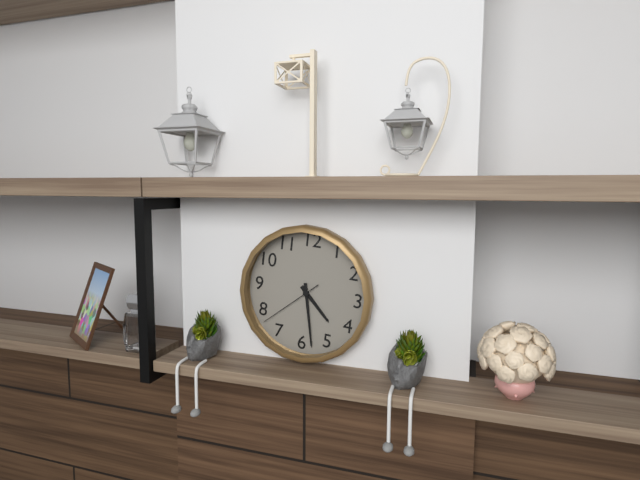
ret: {"hour": 4, "minute": 28, "second": 38}
